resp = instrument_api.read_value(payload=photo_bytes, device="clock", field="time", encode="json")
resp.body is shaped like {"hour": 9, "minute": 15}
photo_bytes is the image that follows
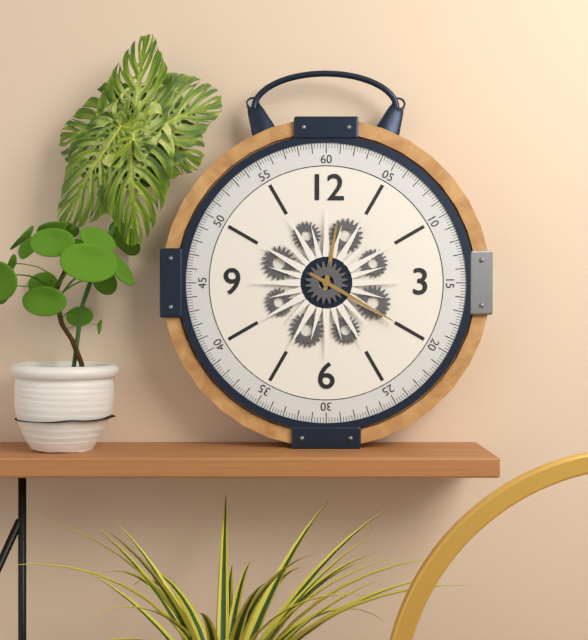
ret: {"hour": 12, "minute": 20}
